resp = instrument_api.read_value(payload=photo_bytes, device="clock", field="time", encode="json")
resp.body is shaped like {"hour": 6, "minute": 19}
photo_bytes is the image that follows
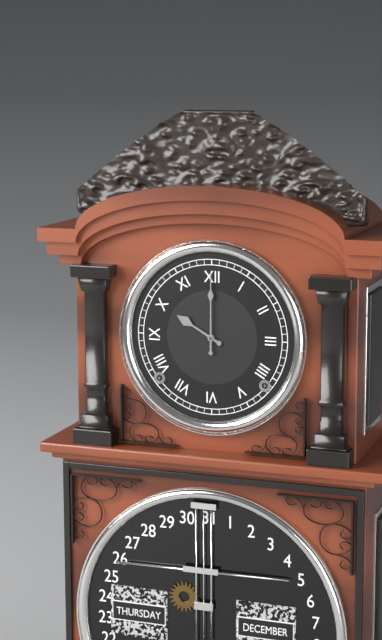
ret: {"hour": 10, "minute": 0}
